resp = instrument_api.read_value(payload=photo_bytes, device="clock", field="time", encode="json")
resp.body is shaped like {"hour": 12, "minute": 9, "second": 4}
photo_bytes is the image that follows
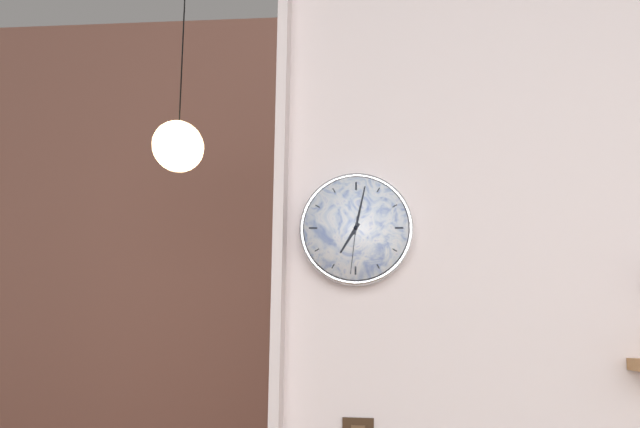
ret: {"hour": 7, "minute": 2, "second": 31}
